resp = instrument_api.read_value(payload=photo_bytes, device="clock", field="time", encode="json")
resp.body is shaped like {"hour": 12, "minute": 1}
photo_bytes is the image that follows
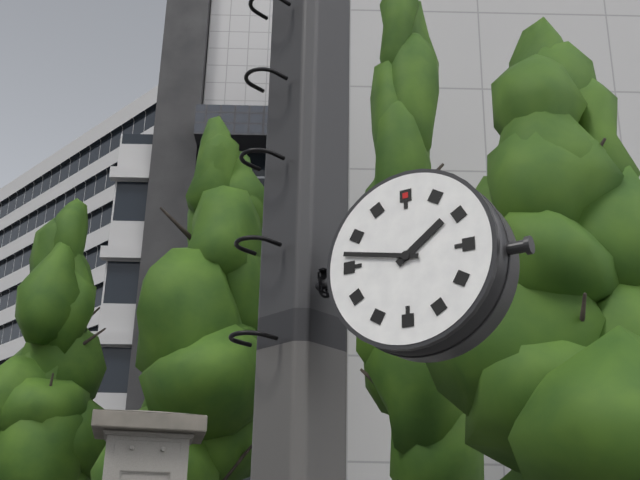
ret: {"hour": 1, "minute": 47}
